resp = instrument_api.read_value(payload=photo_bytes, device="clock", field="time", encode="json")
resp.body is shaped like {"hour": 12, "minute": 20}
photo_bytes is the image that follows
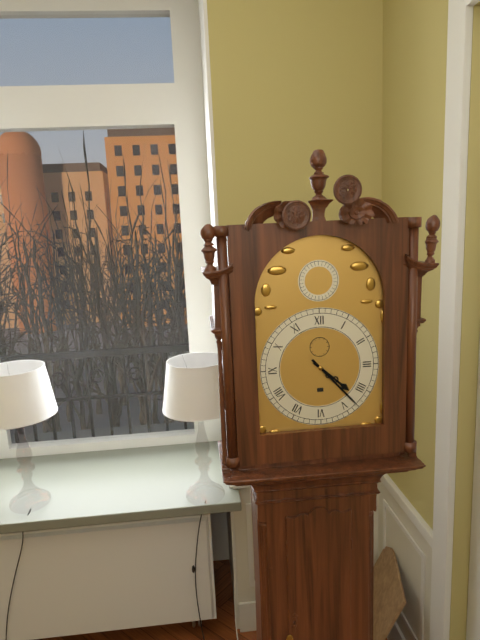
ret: {"hour": 4, "minute": 23}
